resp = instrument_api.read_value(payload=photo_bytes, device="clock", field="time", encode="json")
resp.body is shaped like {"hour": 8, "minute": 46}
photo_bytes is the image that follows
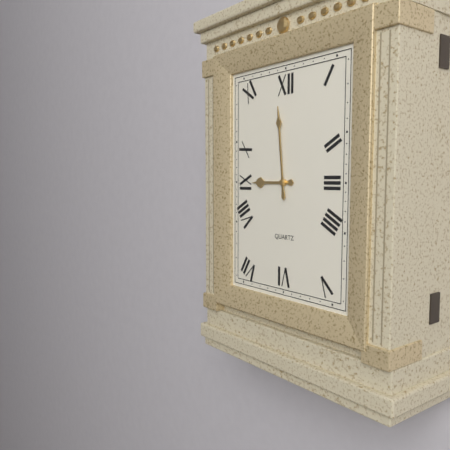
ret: {"hour": 8, "minute": 59}
